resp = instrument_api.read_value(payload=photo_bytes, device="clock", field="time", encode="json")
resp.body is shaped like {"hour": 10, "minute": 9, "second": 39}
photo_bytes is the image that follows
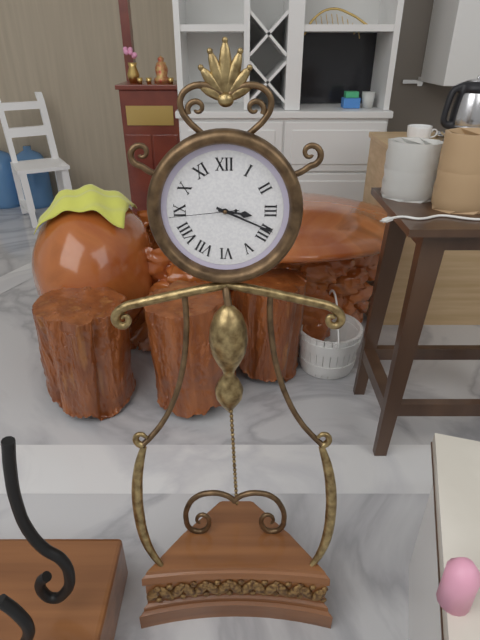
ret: {"hour": 3, "minute": 19, "second": 44}
